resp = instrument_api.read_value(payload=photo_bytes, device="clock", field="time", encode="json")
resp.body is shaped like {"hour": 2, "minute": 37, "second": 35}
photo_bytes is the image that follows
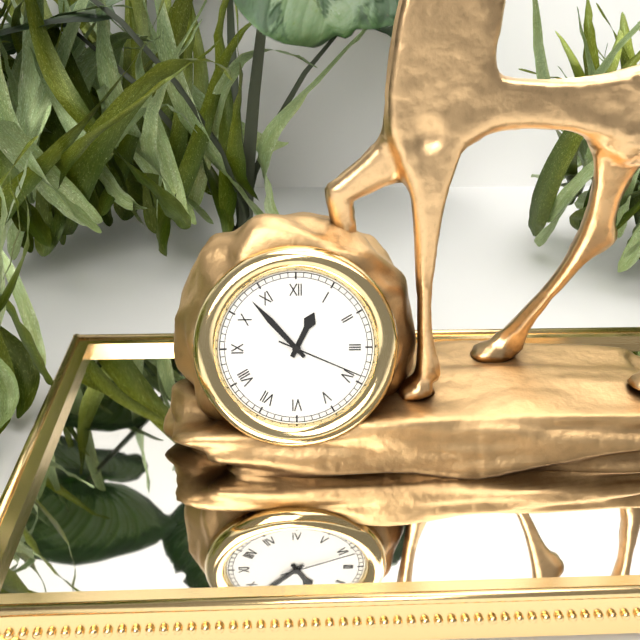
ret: {"hour": 12, "minute": 53, "second": 19}
